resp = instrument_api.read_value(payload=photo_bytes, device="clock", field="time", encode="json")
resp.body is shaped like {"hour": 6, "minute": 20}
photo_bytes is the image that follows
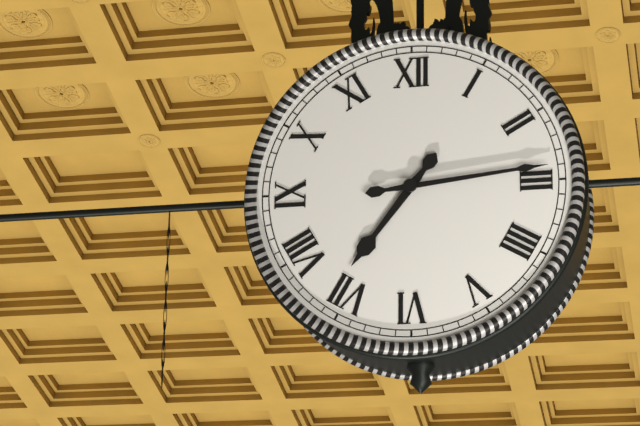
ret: {"hour": 7, "minute": 14}
